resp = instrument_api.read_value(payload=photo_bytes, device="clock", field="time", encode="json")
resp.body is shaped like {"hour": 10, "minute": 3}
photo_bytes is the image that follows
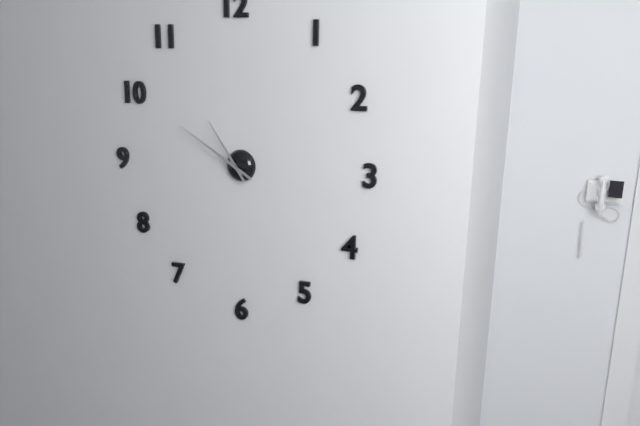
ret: {"hour": 10, "minute": 50}
